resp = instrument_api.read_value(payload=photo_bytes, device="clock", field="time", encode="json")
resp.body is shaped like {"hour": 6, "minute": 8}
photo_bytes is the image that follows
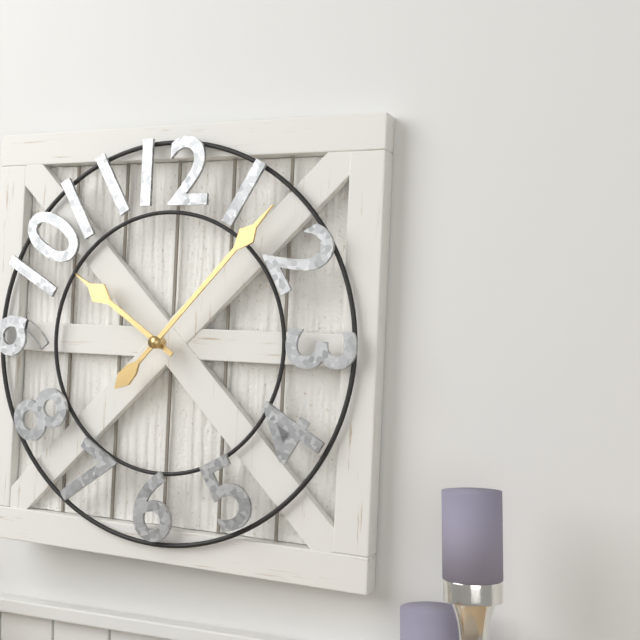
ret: {"hour": 10, "minute": 7}
